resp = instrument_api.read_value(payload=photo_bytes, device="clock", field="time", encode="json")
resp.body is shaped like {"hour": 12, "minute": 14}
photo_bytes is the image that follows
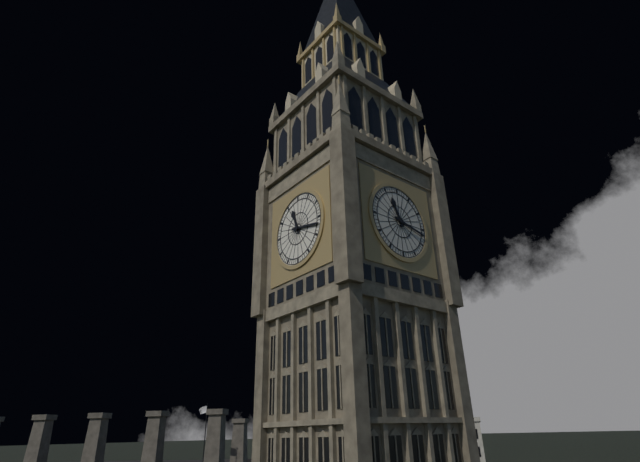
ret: {"hour": 11, "minute": 17}
